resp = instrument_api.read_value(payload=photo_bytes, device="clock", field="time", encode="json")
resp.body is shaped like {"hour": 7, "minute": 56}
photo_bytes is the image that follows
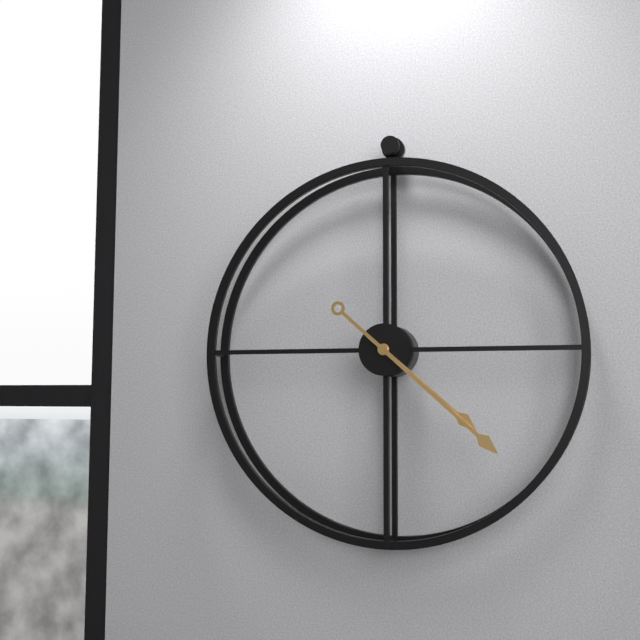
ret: {"hour": 4, "minute": 22}
